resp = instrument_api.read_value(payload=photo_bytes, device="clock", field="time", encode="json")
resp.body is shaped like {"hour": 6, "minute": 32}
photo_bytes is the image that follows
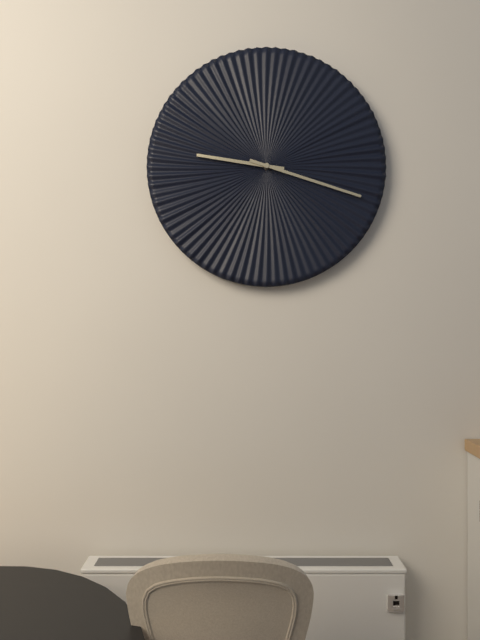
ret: {"hour": 9, "minute": 18}
